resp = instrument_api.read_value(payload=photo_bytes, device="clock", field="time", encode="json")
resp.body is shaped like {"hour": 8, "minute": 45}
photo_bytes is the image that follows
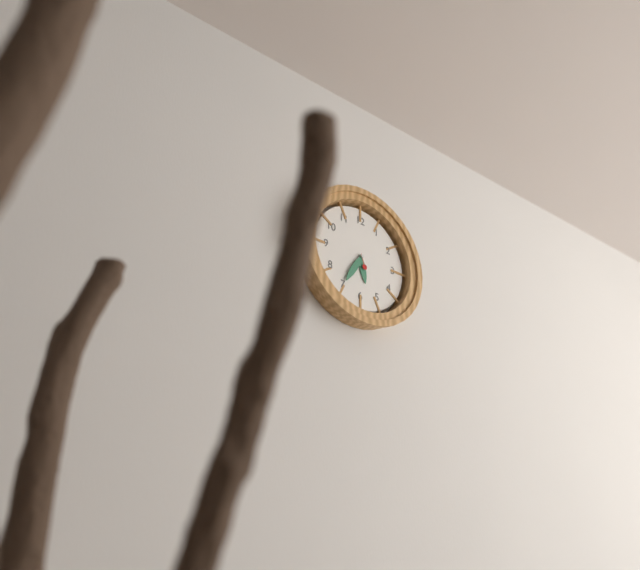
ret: {"hour": 5, "minute": 35}
